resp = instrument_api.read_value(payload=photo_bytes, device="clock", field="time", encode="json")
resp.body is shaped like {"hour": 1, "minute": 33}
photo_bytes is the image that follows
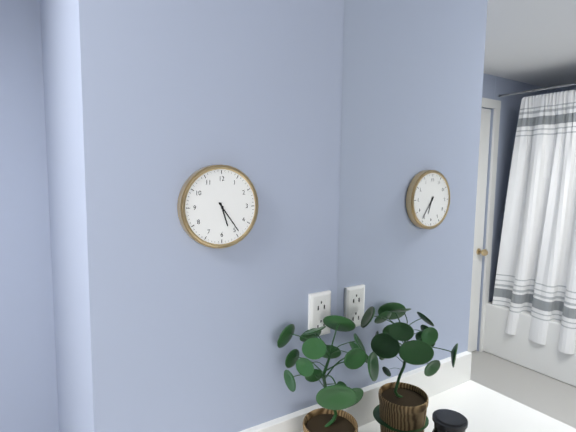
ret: {"hour": 5, "minute": 24}
